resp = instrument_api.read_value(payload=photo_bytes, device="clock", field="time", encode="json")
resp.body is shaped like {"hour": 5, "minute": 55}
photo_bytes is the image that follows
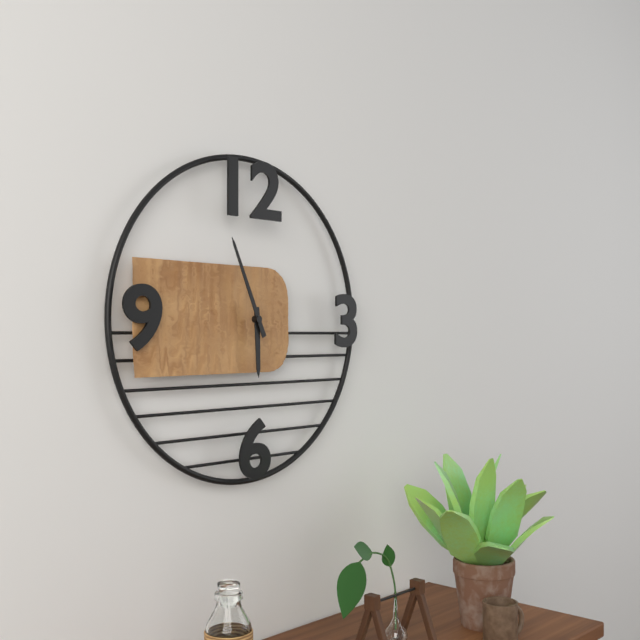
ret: {"hour": 5, "minute": 56}
